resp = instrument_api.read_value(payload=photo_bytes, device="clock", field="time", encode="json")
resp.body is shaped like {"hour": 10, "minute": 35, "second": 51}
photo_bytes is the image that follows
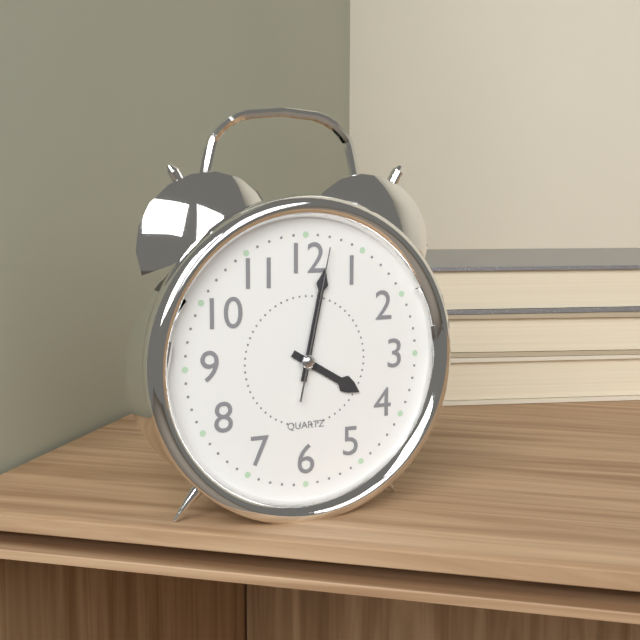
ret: {"hour": 4, "minute": 2, "second": 2}
